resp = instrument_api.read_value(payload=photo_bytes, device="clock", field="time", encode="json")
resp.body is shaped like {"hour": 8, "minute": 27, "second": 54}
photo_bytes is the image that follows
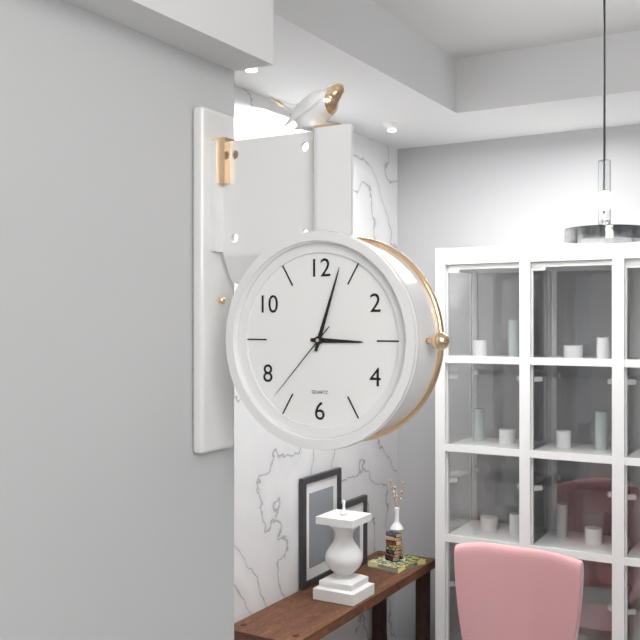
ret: {"hour": 3, "minute": 3, "second": 37}
